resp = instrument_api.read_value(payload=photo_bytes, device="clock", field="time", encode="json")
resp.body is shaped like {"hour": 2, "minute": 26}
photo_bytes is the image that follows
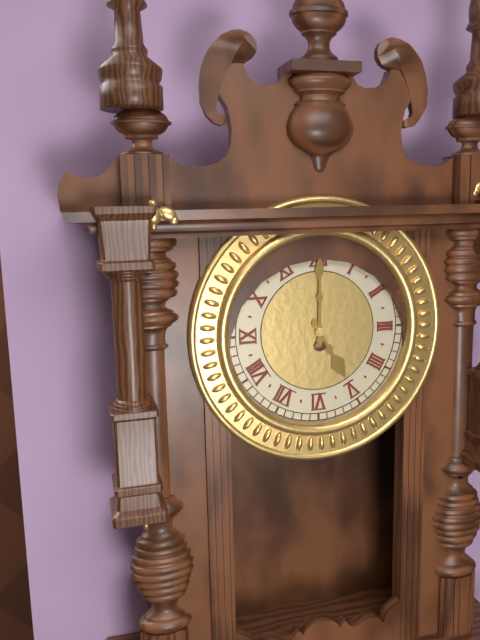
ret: {"hour": 5, "minute": 0}
